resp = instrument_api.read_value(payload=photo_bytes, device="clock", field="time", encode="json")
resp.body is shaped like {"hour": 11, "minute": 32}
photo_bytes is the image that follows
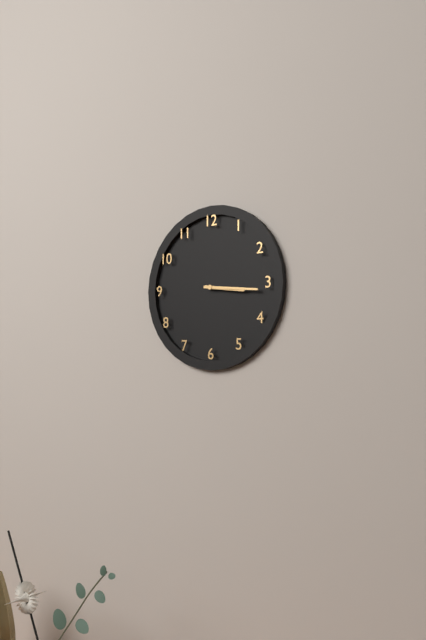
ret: {"hour": 3, "minute": 16}
